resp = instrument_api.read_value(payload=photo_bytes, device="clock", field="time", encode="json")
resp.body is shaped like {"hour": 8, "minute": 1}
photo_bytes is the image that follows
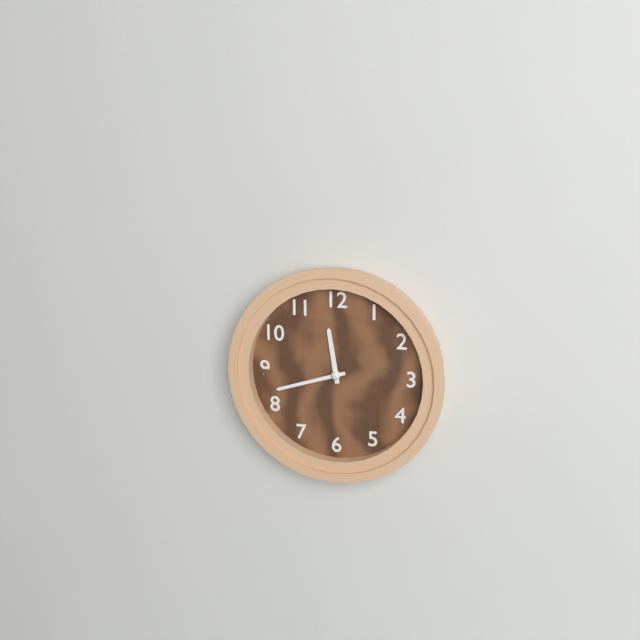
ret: {"hour": 11, "minute": 42}
